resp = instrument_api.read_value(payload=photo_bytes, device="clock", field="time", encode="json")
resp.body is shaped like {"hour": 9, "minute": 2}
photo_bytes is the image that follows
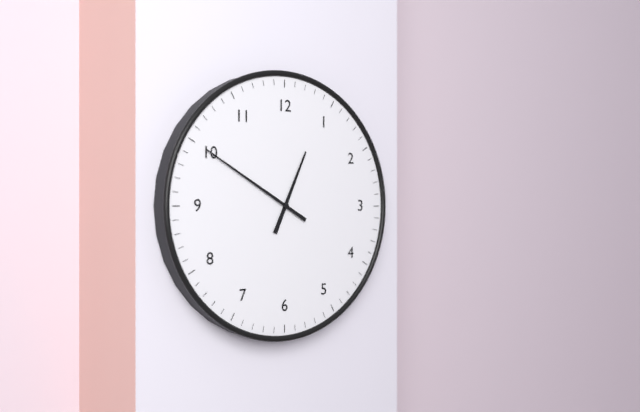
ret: {"hour": 12, "minute": 50}
